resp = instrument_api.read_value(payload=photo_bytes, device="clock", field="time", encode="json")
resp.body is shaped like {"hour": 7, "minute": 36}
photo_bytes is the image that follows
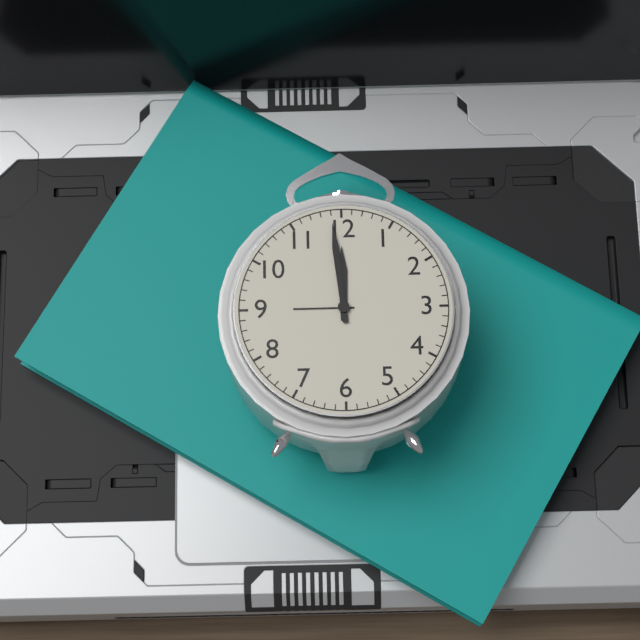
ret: {"hour": 11, "minute": 59}
